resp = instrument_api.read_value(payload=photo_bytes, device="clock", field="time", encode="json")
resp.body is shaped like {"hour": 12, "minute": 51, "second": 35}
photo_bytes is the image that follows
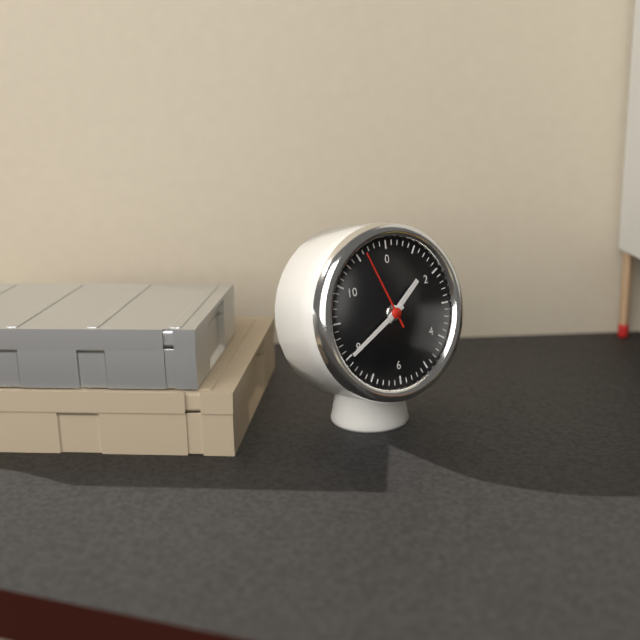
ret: {"hour": 1, "minute": 40, "second": 56}
